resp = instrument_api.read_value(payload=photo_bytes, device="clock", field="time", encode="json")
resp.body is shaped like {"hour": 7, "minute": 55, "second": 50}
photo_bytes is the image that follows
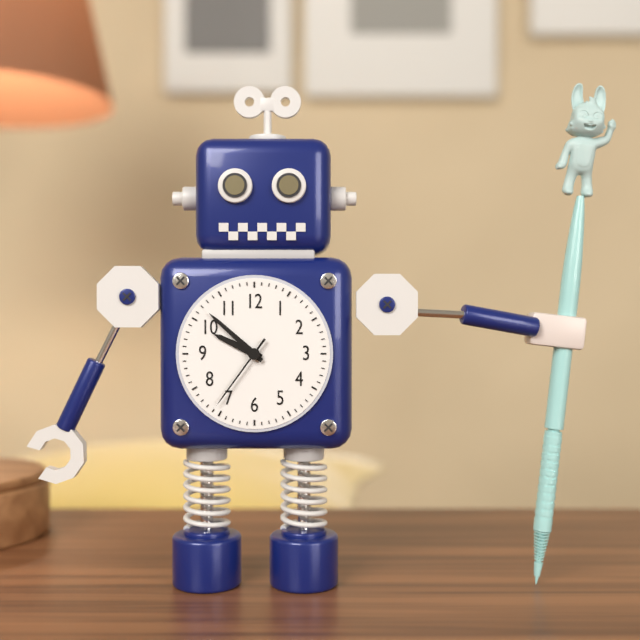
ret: {"hour": 9, "minute": 52, "second": 36}
